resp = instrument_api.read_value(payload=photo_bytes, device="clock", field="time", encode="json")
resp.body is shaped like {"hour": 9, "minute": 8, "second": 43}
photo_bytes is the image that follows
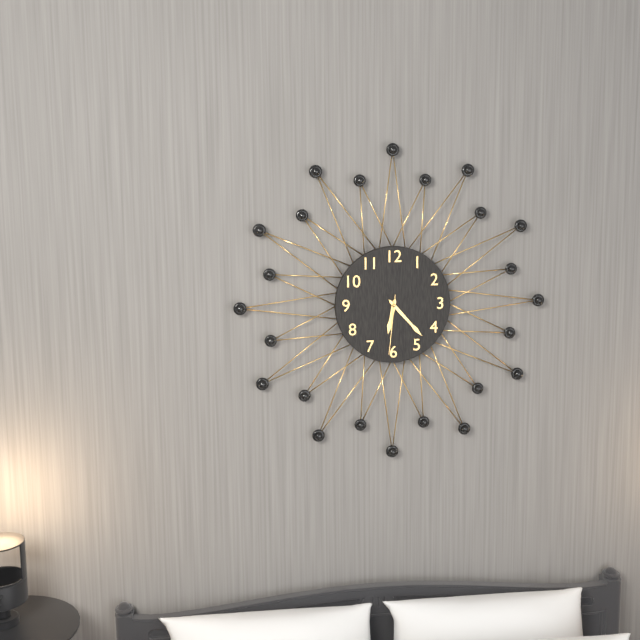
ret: {"hour": 6, "minute": 23, "second": 31}
